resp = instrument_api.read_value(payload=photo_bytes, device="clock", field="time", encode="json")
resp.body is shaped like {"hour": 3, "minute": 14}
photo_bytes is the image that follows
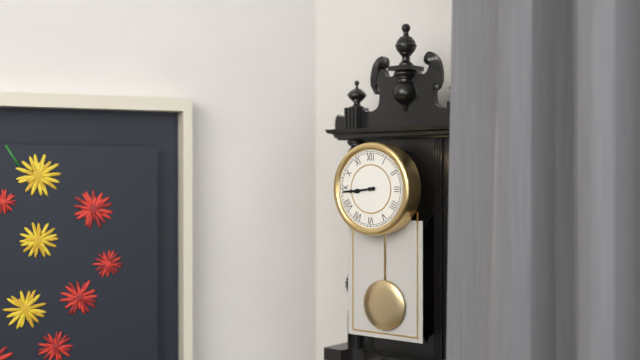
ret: {"hour": 8, "minute": 44}
